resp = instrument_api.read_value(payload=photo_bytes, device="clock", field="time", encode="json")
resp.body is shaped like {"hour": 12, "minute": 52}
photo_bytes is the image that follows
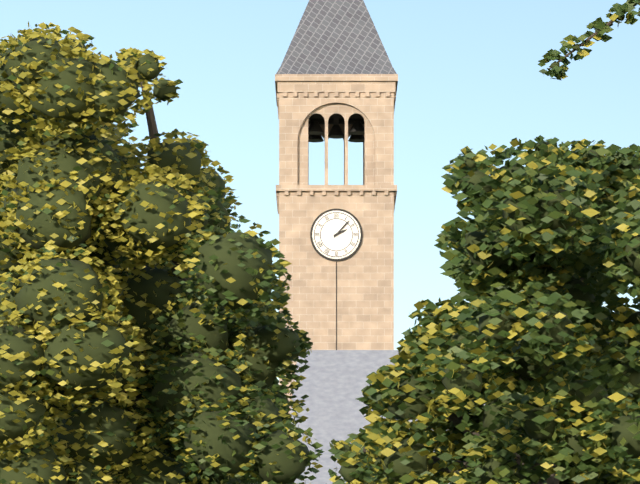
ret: {"hour": 2, "minute": 7}
